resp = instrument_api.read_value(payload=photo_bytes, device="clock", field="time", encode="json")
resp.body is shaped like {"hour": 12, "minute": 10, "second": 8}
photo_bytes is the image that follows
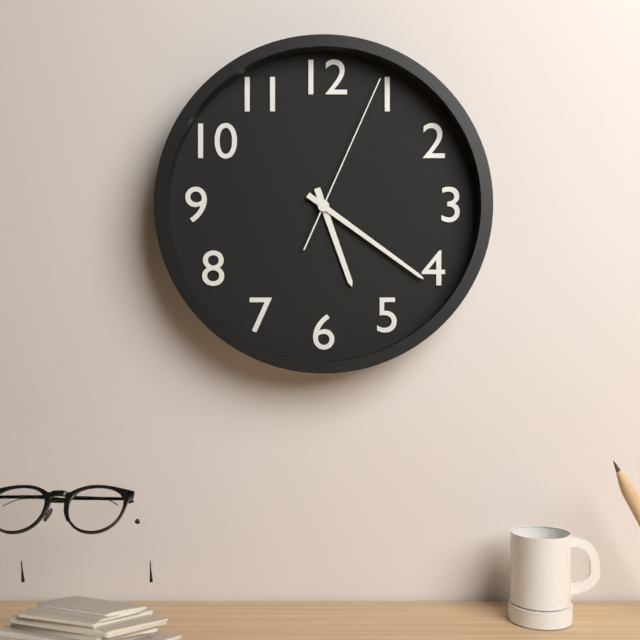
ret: {"hour": 5, "minute": 21, "second": 4}
